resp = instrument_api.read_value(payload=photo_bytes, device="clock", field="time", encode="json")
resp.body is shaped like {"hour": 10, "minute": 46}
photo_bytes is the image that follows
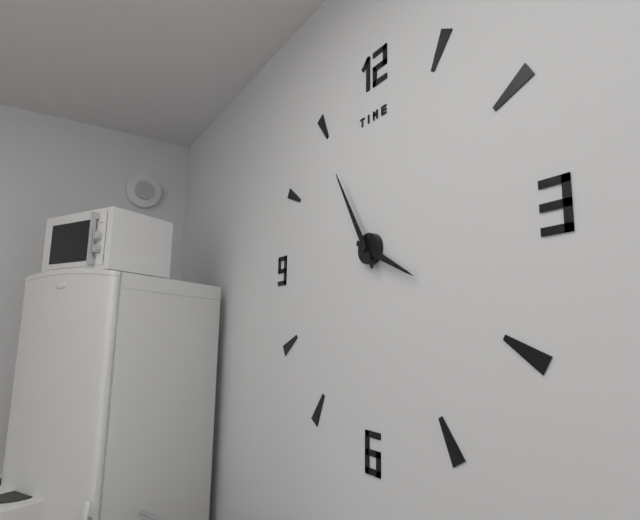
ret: {"hour": 3, "minute": 55}
